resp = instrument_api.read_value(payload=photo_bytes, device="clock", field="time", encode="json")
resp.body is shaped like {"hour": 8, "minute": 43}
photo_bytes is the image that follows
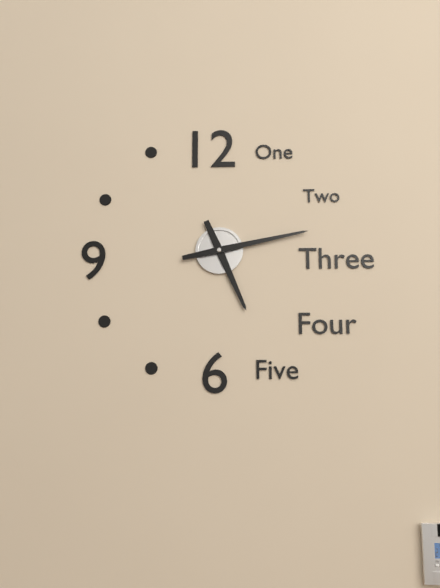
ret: {"hour": 5, "minute": 13}
